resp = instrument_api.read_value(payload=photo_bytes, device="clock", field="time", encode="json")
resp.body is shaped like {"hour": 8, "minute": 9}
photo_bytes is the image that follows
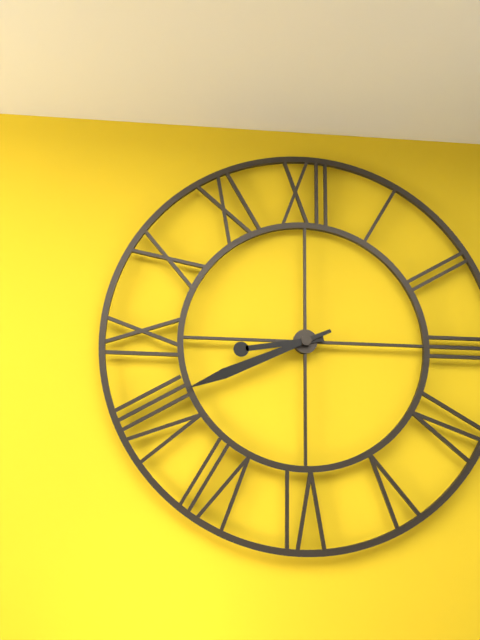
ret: {"hour": 8, "minute": 41}
